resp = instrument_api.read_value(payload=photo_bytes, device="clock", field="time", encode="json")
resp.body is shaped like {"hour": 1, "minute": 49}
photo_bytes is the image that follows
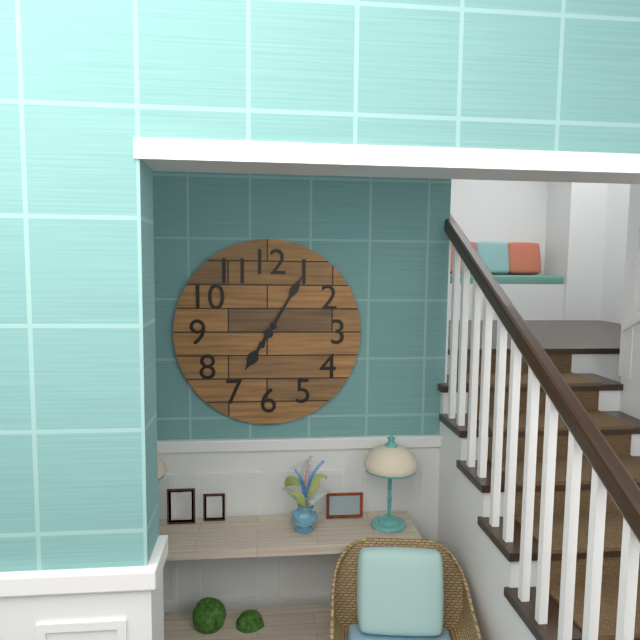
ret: {"hour": 7, "minute": 5}
